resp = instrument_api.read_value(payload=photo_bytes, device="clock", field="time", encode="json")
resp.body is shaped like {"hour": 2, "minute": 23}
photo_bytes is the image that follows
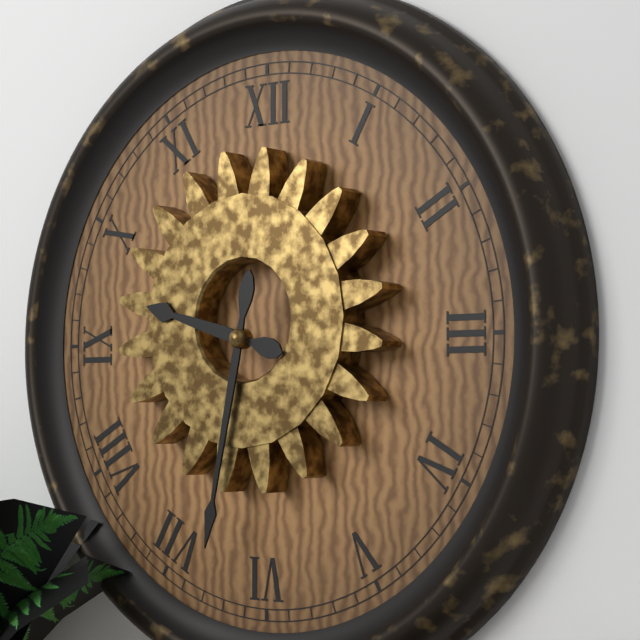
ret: {"hour": 9, "minute": 32}
